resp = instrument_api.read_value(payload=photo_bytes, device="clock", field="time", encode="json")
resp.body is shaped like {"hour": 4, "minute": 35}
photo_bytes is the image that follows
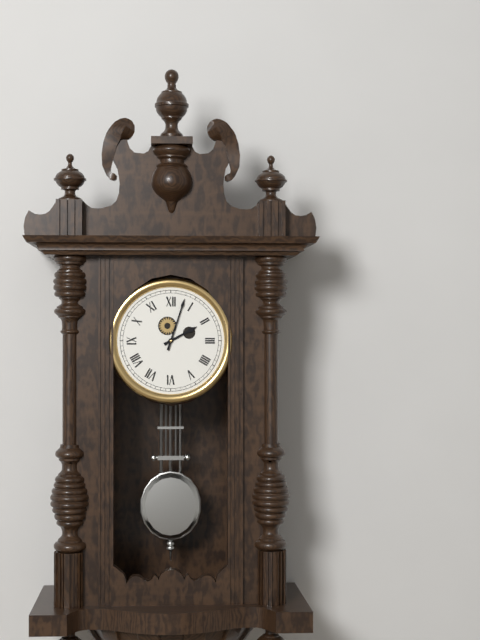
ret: {"hour": 2, "minute": 3}
